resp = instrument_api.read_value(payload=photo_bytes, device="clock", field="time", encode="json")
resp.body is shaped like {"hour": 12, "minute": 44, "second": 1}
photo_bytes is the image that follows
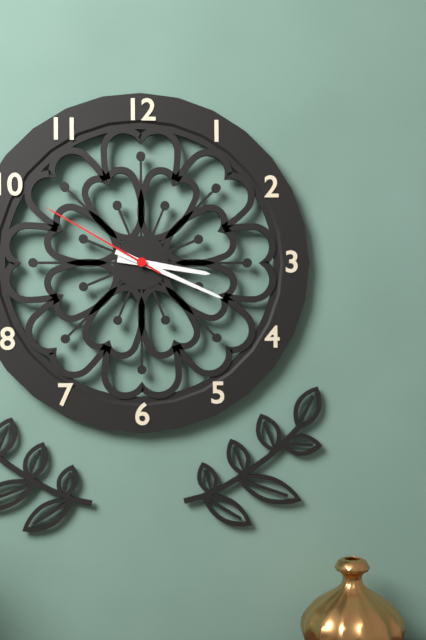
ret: {"hour": 3, "minute": 19, "second": 50}
